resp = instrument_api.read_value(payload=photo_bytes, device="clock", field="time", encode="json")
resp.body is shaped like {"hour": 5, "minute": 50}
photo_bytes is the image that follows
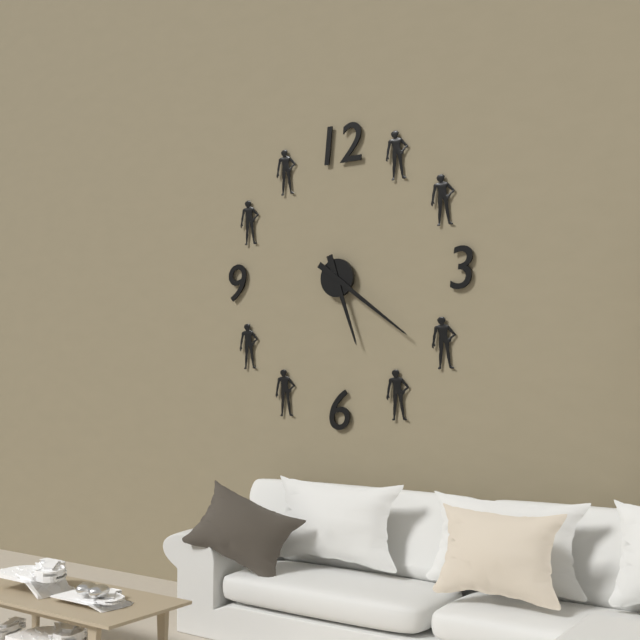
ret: {"hour": 5, "minute": 21}
